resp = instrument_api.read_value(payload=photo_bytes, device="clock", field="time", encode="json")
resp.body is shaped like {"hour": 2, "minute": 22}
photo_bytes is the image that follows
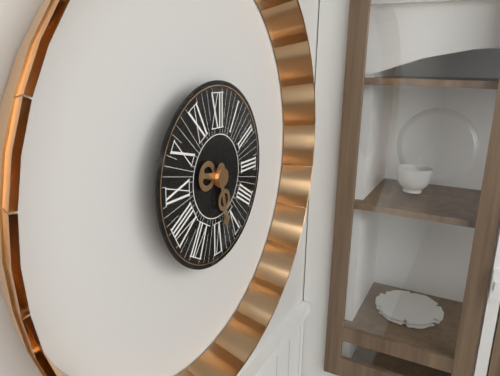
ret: {"hour": 9, "minute": 28}
